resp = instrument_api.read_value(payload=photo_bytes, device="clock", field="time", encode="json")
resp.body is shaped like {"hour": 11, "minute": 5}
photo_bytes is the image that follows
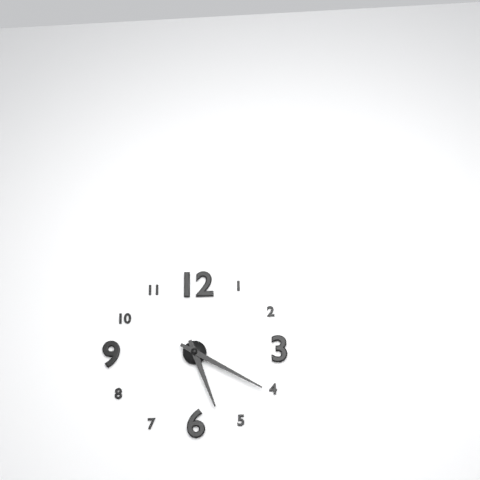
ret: {"hour": 5, "minute": 20}
